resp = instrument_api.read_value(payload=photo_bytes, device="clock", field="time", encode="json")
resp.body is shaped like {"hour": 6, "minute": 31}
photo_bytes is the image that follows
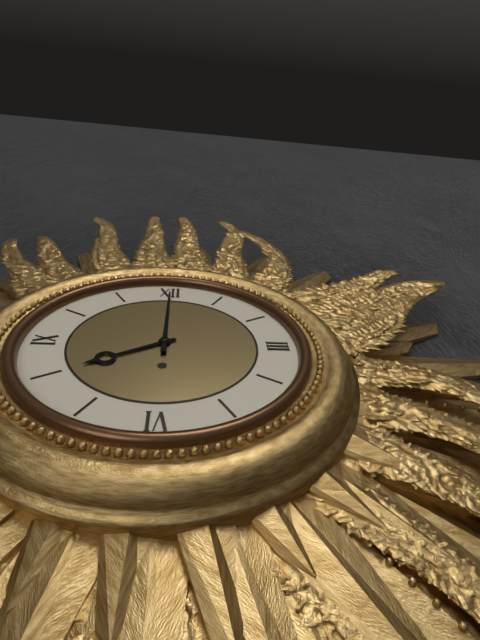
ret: {"hour": 8, "minute": 0}
